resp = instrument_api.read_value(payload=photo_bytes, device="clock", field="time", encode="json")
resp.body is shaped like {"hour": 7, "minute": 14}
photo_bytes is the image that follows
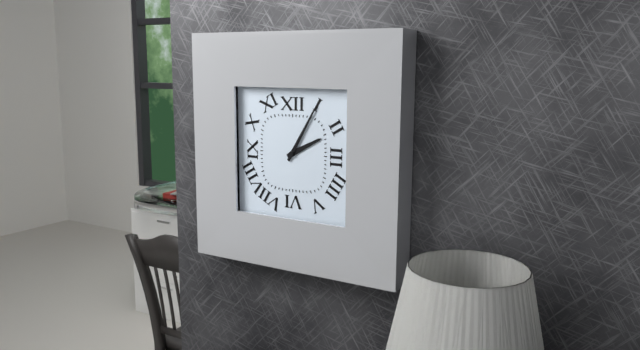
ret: {"hour": 2, "minute": 5}
